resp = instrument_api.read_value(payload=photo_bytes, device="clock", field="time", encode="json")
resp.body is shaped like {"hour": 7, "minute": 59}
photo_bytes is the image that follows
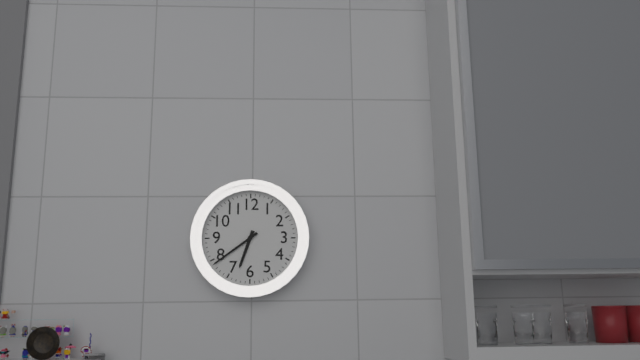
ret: {"hour": 6, "minute": 39}
